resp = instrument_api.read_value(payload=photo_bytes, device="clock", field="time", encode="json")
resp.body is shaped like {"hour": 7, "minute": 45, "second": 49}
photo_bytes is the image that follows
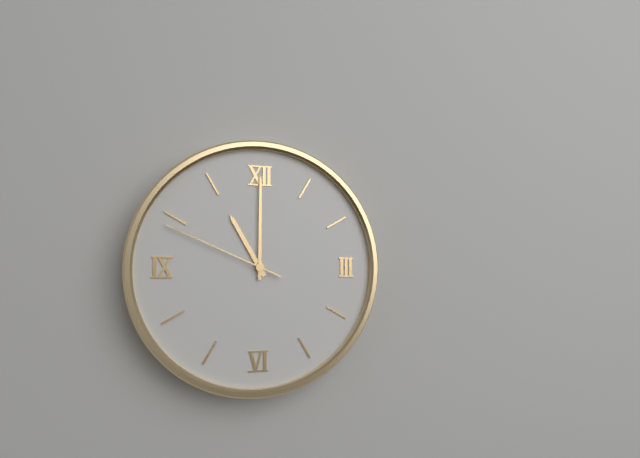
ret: {"hour": 11, "minute": 0, "second": 49}
